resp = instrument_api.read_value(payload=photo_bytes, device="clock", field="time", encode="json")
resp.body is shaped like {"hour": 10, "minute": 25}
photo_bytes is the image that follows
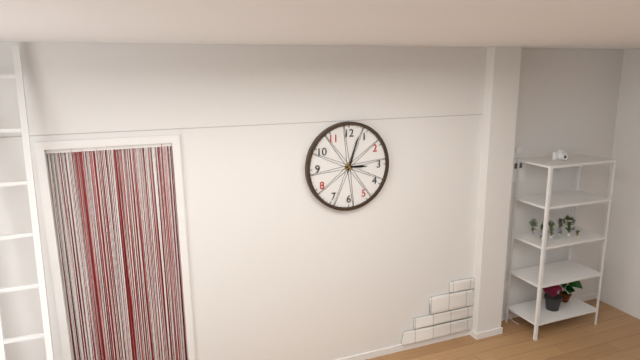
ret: {"hour": 3, "minute": 3}
